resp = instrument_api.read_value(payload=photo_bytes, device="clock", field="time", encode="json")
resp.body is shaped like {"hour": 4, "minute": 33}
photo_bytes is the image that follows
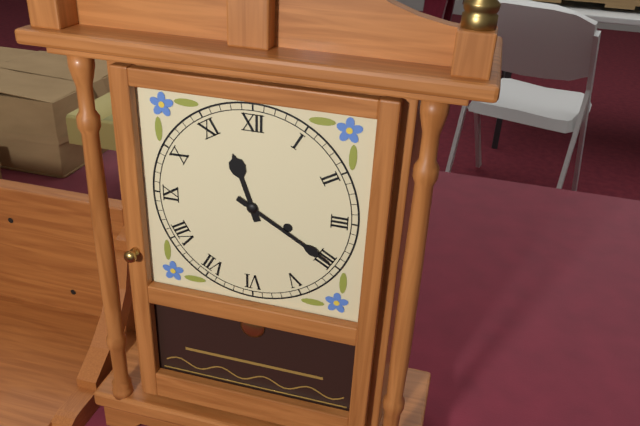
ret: {"hour": 11, "minute": 20}
